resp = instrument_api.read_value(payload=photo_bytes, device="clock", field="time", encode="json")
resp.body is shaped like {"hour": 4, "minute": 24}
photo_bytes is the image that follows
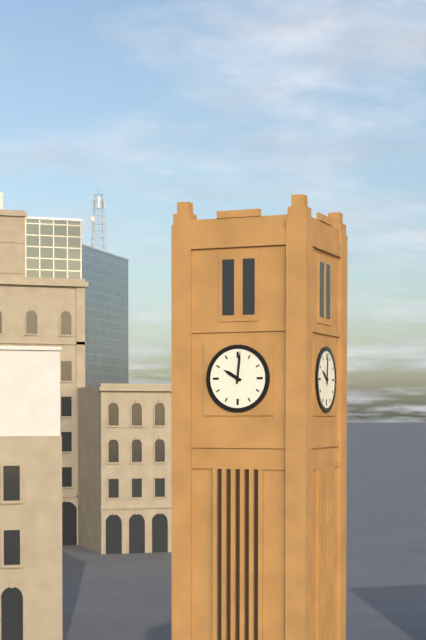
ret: {"hour": 10, "minute": 1}
